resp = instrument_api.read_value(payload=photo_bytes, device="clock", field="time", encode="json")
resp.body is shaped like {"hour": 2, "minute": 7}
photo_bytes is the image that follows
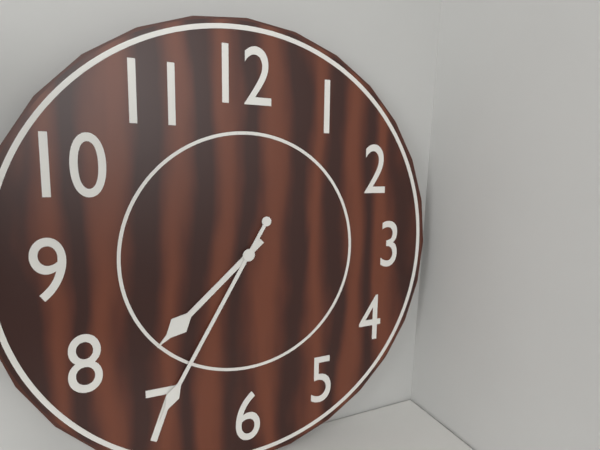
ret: {"hour": 7, "minute": 35}
